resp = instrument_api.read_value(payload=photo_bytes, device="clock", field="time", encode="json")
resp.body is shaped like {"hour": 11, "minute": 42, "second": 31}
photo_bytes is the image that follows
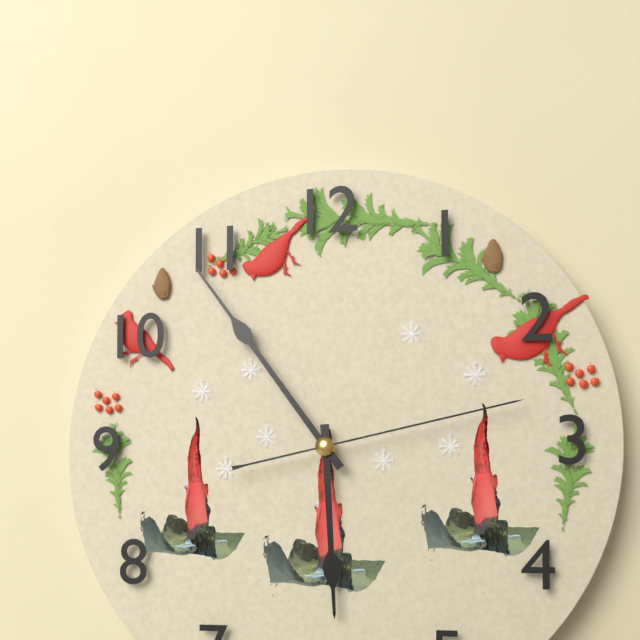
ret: {"hour": 5, "minute": 54, "second": 13}
